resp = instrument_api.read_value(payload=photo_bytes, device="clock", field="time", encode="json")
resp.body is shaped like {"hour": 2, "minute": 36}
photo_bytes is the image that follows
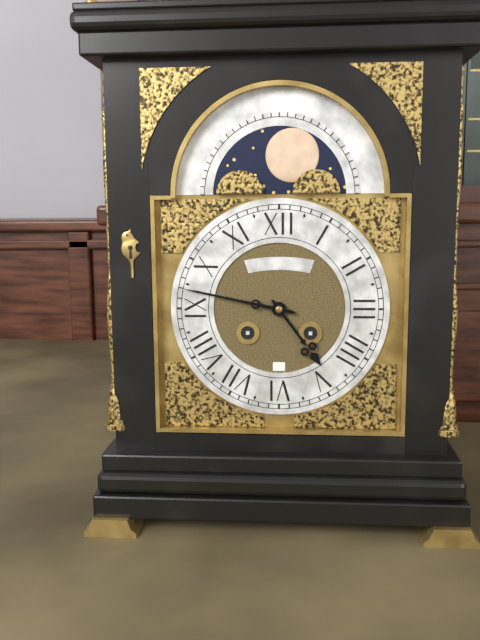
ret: {"hour": 4, "minute": 47}
